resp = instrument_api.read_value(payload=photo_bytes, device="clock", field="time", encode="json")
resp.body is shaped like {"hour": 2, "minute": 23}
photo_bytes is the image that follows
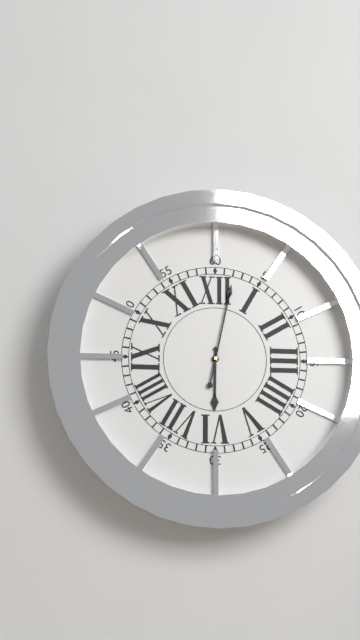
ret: {"hour": 6, "minute": 2}
